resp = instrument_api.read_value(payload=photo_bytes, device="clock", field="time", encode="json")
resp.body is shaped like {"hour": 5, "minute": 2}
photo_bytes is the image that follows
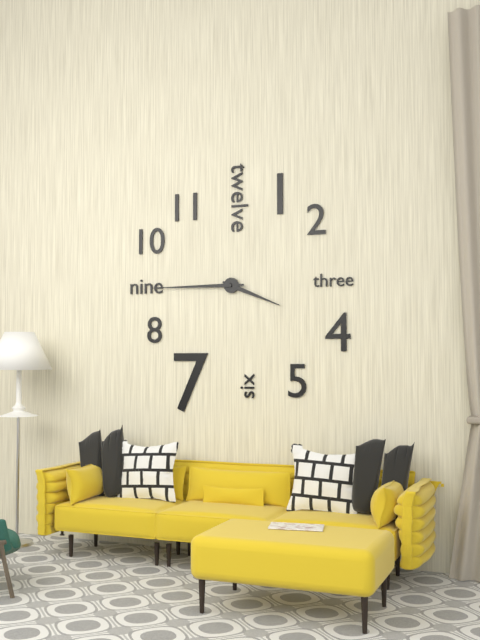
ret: {"hour": 3, "minute": 45}
